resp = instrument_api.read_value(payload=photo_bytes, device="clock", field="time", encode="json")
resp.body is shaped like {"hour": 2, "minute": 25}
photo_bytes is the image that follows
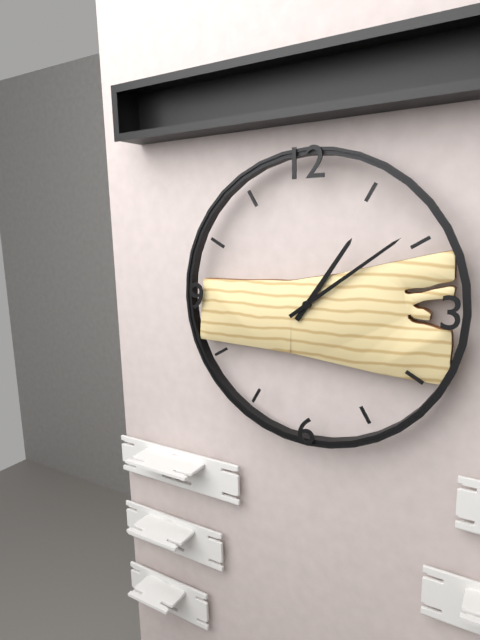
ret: {"hour": 1, "minute": 9}
